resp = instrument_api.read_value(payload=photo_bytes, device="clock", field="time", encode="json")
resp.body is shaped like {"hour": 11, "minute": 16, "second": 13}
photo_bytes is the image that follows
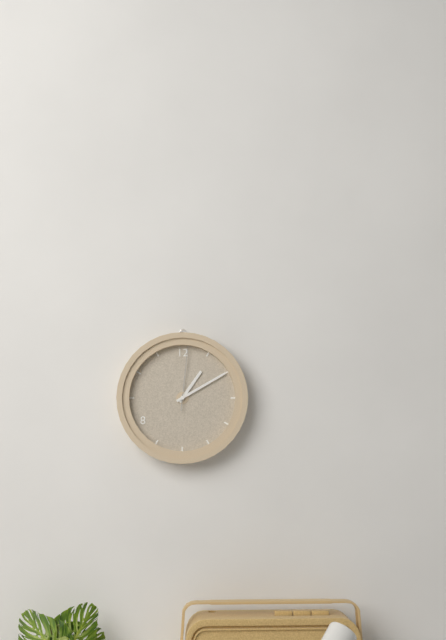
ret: {"hour": 1, "minute": 10, "second": 1}
